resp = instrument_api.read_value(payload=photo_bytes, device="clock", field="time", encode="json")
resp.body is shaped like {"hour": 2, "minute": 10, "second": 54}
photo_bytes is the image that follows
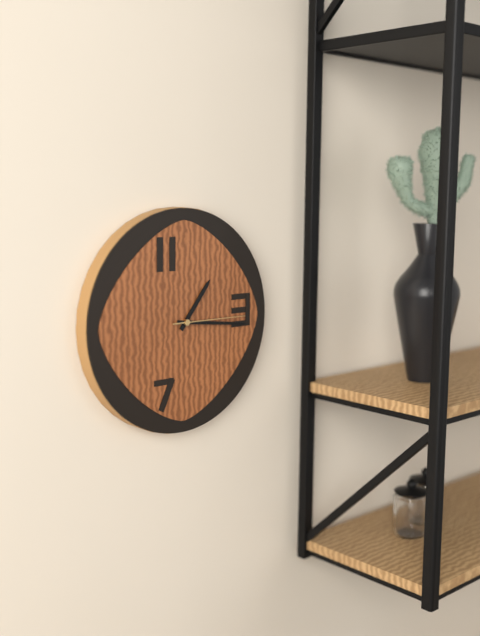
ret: {"hour": 1, "minute": 16, "second": 15}
